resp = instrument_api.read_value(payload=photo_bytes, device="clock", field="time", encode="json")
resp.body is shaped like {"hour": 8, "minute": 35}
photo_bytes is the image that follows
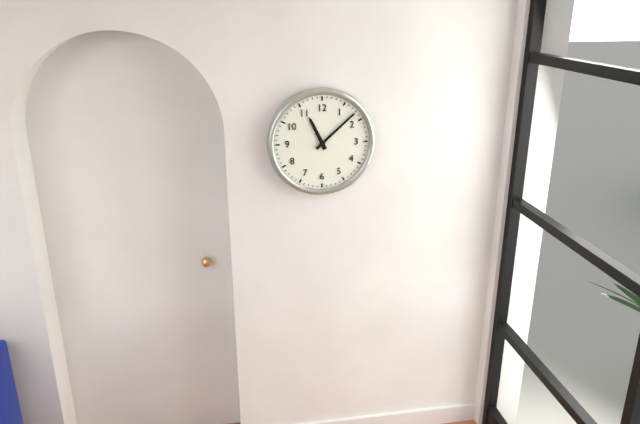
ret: {"hour": 11, "minute": 8}
